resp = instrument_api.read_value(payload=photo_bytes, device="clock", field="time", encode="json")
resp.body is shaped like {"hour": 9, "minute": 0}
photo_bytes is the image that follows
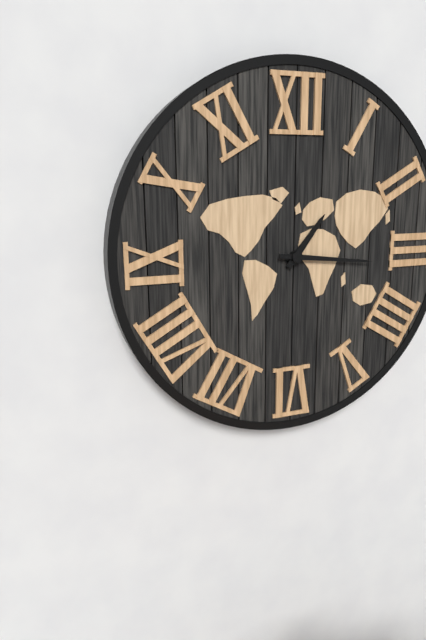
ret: {"hour": 1, "minute": 16}
